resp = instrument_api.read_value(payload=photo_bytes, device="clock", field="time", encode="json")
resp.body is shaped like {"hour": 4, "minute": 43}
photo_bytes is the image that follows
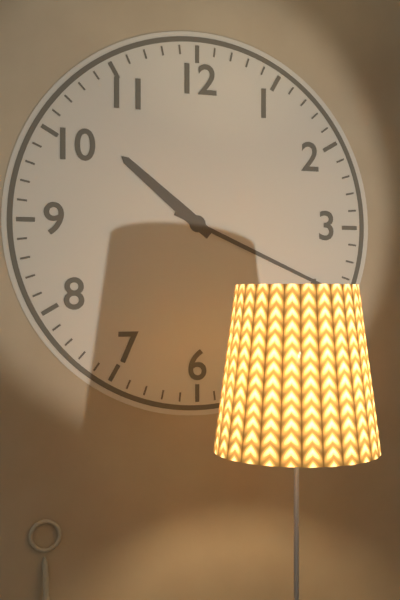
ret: {"hour": 10, "minute": 19}
